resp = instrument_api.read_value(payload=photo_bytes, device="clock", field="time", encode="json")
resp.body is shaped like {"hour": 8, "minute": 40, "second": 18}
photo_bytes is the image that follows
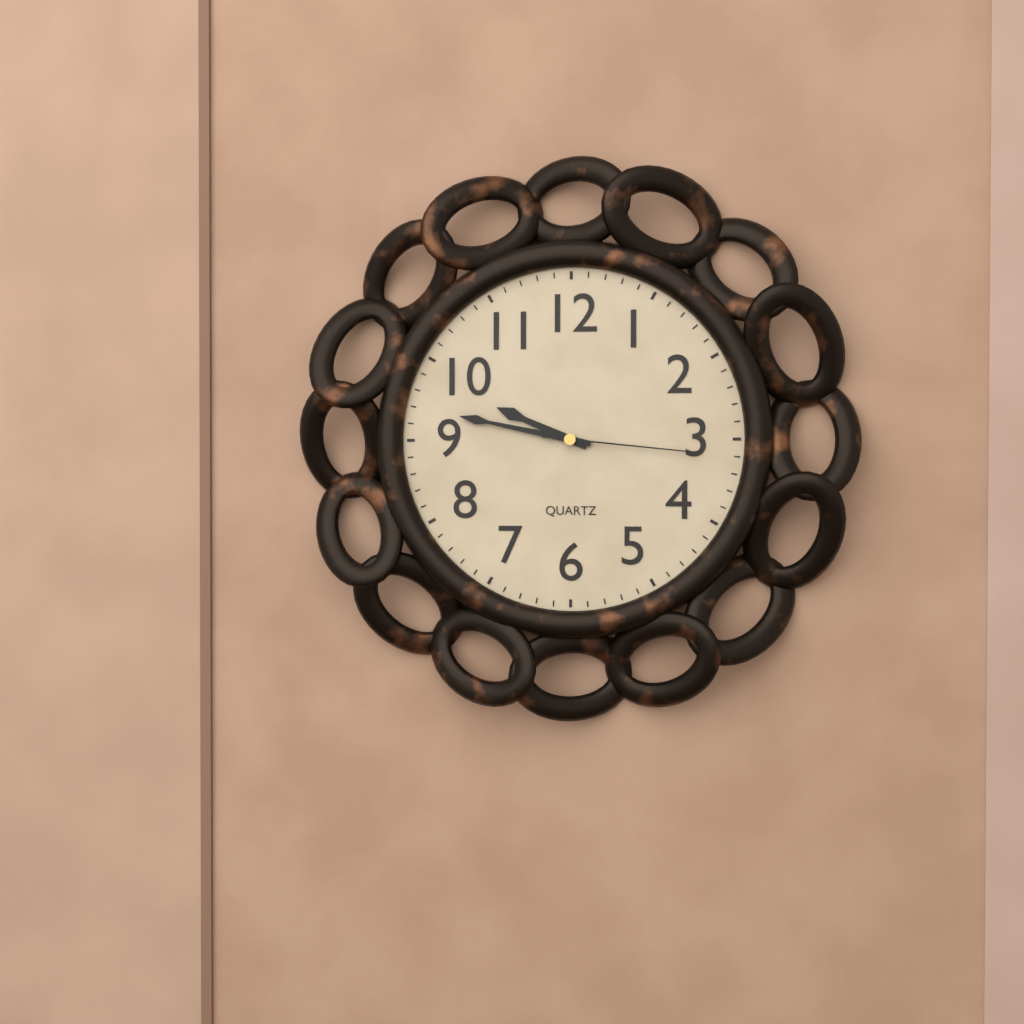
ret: {"hour": 9, "minute": 47, "second": 16}
